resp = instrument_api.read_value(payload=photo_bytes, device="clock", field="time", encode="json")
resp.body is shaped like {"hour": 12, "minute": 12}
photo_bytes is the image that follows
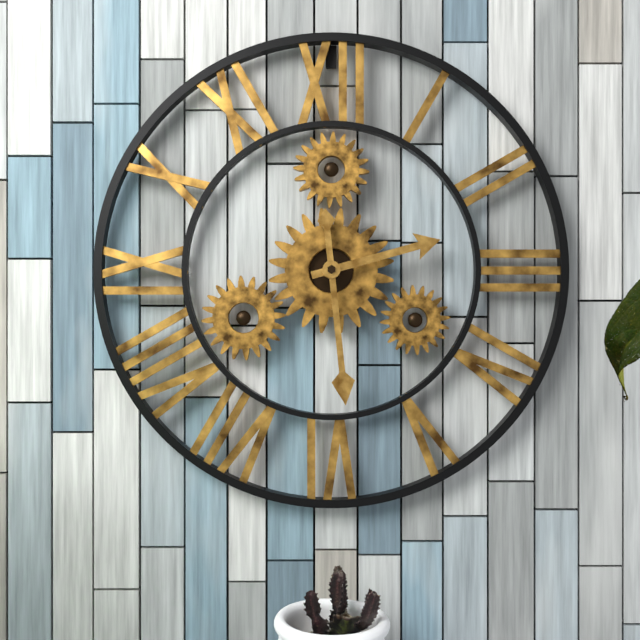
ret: {"hour": 2, "minute": 29}
